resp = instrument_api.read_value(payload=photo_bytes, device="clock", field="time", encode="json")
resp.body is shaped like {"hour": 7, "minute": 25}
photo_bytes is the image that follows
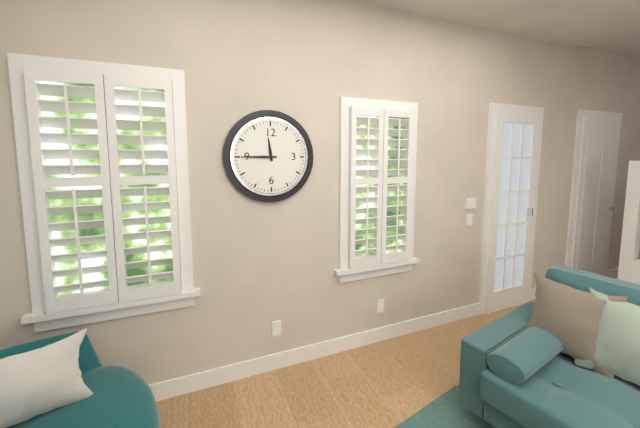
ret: {"hour": 11, "minute": 45}
